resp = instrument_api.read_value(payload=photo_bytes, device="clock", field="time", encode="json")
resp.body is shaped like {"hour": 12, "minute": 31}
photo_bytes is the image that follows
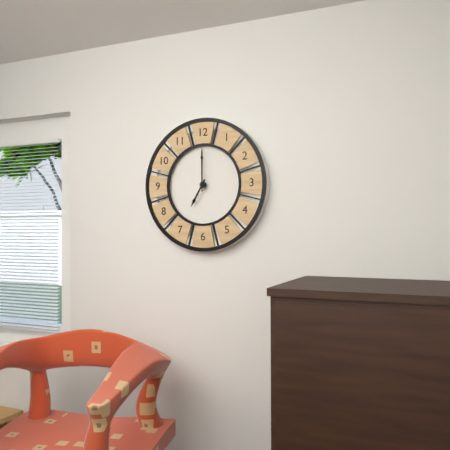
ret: {"hour": 7, "minute": 0}
